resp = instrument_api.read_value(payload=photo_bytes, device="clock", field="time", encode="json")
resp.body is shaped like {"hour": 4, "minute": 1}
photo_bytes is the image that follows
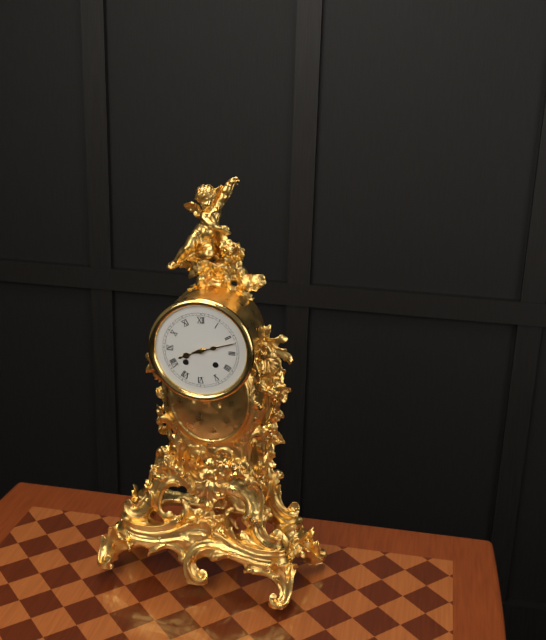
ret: {"hour": 8, "minute": 12}
